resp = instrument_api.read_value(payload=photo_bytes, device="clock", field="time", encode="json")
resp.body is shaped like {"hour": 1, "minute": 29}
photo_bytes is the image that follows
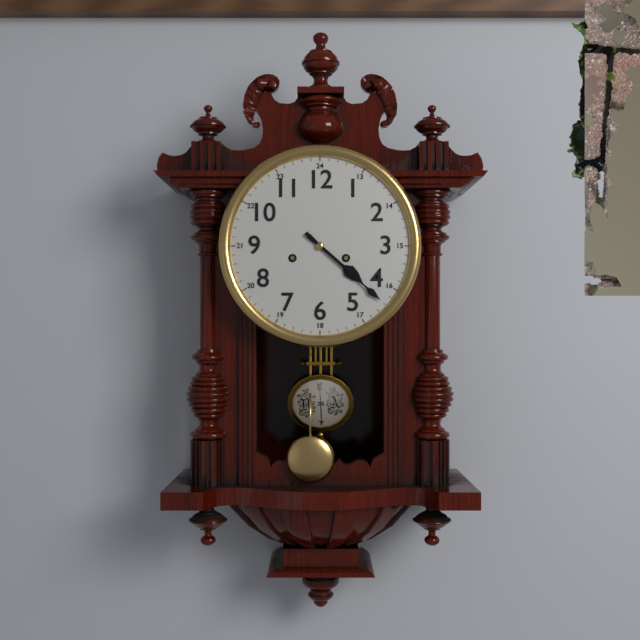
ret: {"hour": 4, "minute": 22}
